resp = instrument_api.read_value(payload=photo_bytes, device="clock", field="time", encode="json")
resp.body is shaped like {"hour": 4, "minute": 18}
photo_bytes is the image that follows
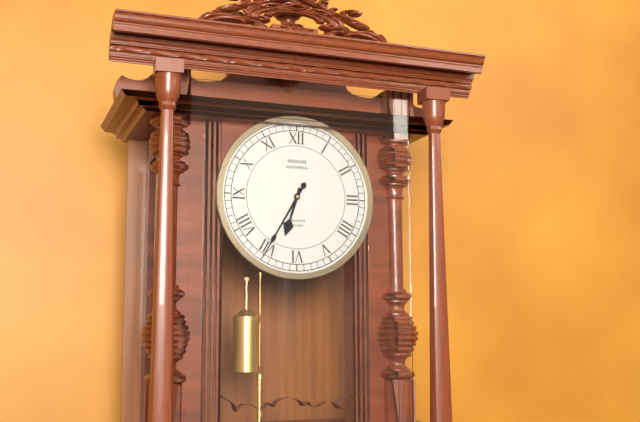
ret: {"hour": 6, "minute": 35}
